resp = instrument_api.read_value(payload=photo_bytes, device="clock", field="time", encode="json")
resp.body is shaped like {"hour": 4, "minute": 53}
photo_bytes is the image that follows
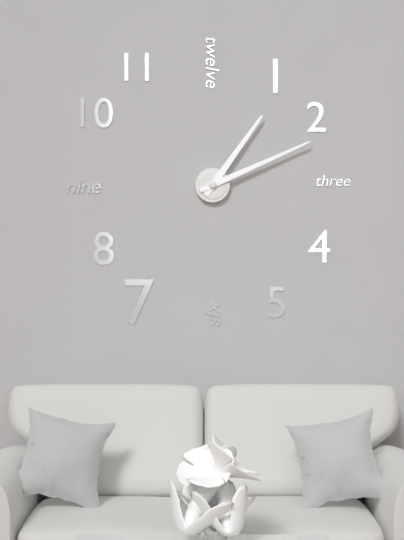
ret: {"hour": 1, "minute": 11}
